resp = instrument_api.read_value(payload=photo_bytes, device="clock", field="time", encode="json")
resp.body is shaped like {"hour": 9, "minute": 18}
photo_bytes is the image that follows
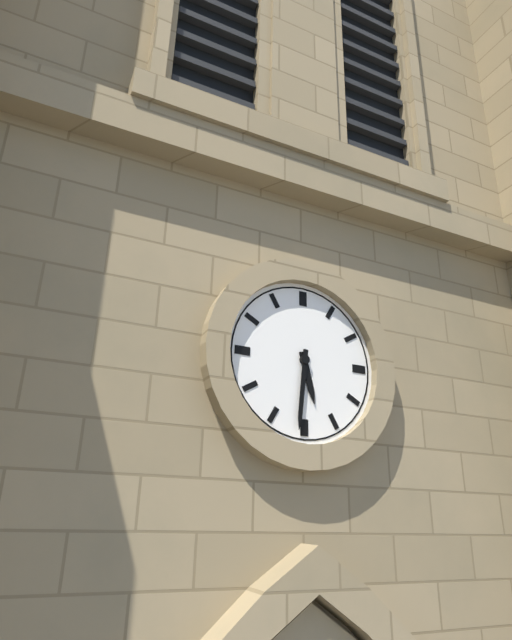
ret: {"hour": 5, "minute": 31}
